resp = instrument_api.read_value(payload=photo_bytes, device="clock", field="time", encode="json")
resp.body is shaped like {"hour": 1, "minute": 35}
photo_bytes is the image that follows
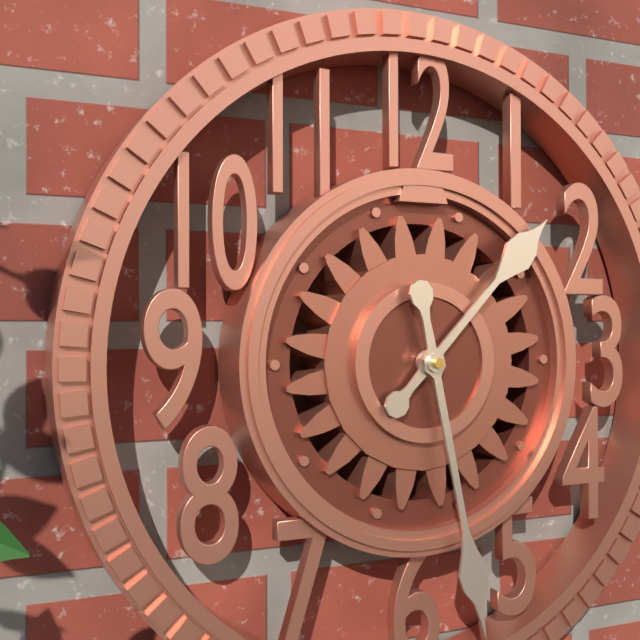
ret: {"hour": 1, "minute": 28}
